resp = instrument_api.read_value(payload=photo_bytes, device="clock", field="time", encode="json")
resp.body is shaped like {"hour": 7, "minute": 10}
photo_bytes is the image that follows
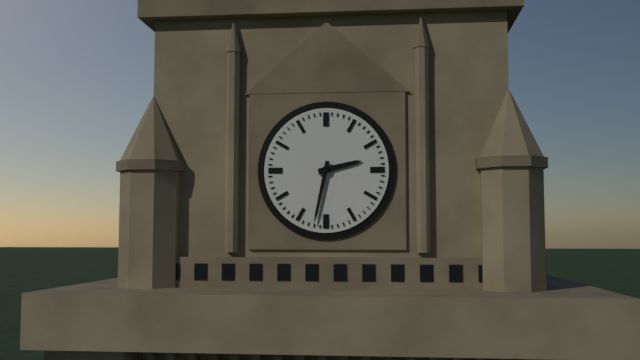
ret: {"hour": 2, "minute": 32}
